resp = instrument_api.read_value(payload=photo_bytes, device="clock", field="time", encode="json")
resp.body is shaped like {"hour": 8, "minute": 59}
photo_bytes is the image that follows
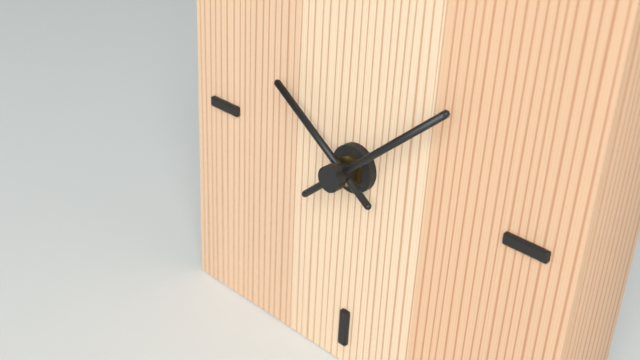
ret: {"hour": 10, "minute": 8}
